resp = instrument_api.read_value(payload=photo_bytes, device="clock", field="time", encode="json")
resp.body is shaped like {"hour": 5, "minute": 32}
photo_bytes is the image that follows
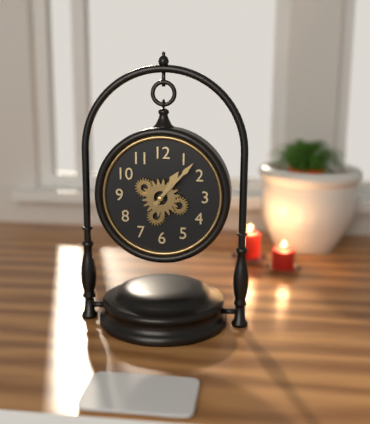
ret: {"hour": 1, "minute": 7}
